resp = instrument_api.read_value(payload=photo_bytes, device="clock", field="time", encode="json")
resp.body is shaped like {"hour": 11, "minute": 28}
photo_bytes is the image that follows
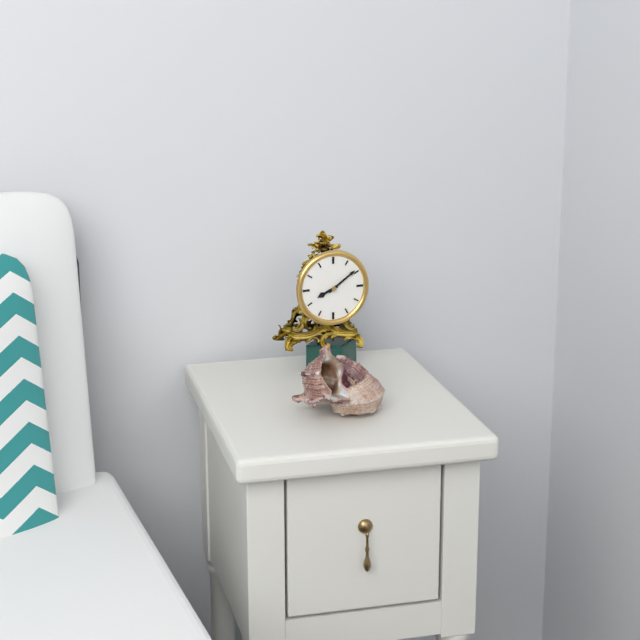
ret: {"hour": 8, "minute": 9}
